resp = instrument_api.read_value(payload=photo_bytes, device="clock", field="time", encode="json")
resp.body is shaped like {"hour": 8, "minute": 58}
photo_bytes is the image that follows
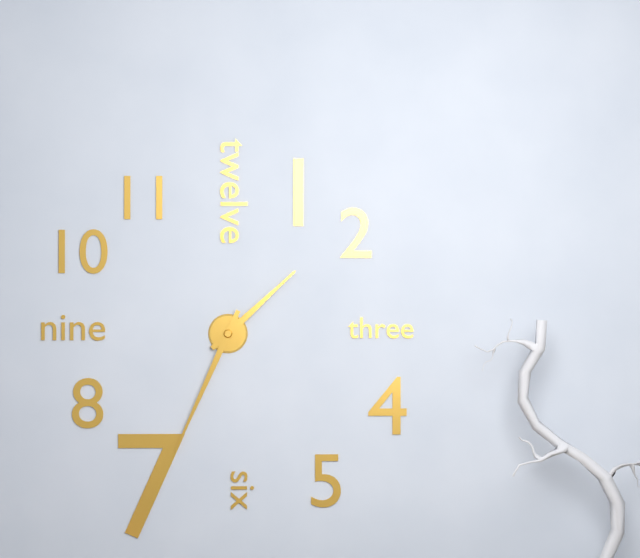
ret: {"hour": 1, "minute": 34}
